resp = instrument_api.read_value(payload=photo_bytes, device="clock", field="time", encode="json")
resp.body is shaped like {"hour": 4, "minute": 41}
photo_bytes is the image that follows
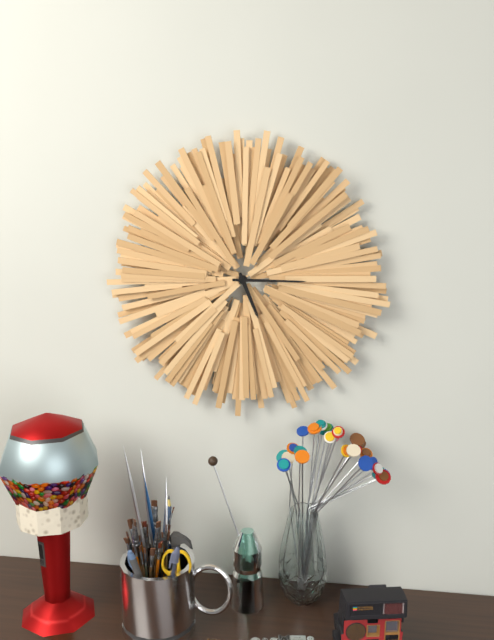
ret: {"hour": 5, "minute": 15}
